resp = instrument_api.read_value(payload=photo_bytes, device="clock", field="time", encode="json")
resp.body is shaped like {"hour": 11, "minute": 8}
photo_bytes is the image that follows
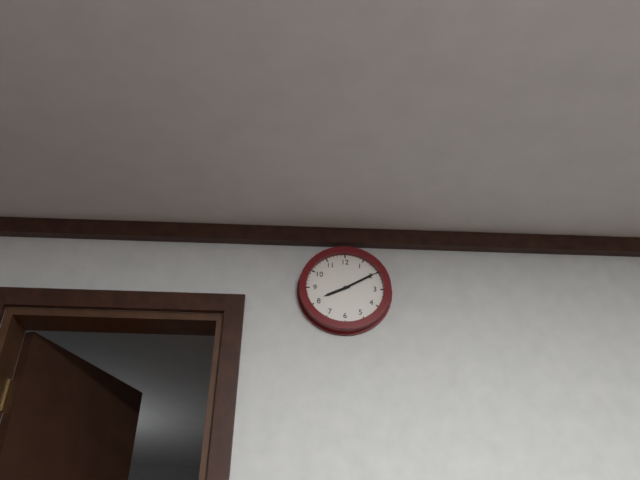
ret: {"hour": 8, "minute": 10}
